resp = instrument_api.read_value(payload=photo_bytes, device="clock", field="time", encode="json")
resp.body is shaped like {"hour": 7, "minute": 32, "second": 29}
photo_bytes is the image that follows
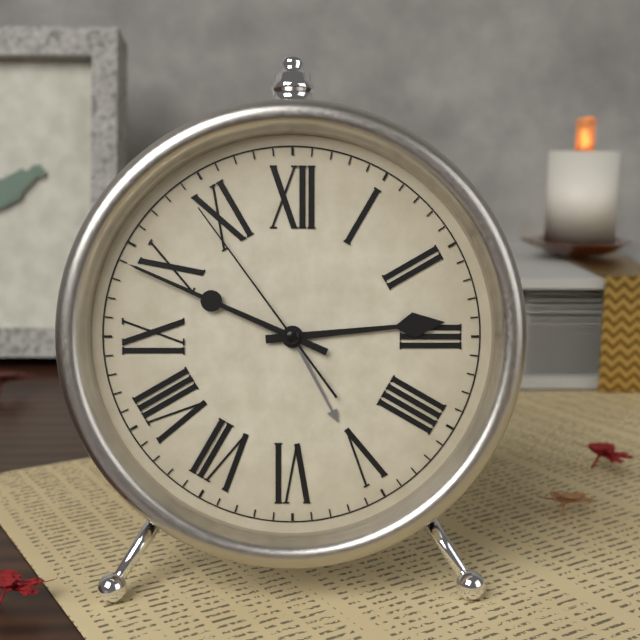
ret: {"hour": 2, "minute": 49, "second": 54}
